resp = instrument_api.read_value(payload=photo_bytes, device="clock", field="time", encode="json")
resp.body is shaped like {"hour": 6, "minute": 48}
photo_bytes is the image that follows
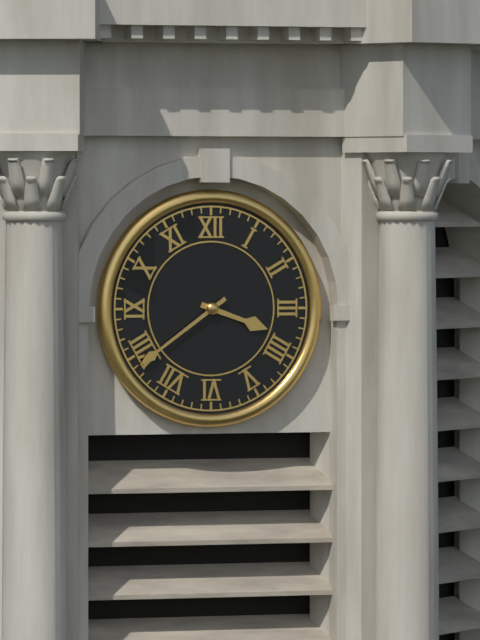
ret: {"hour": 3, "minute": 39}
